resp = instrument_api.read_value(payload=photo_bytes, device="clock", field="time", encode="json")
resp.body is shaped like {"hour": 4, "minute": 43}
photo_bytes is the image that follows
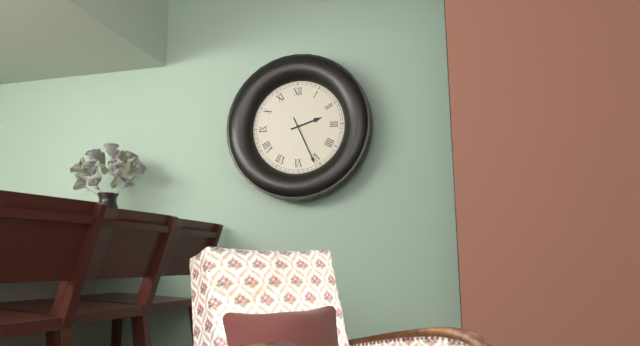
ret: {"hour": 2, "minute": 26}
